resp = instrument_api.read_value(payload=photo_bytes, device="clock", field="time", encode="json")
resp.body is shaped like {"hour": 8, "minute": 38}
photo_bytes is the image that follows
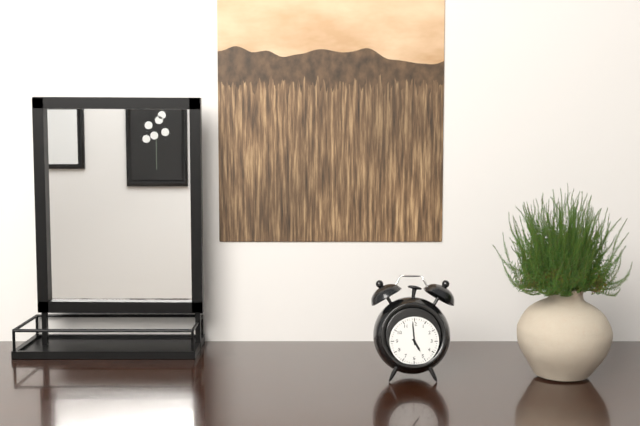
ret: {"hour": 4, "minute": 59}
